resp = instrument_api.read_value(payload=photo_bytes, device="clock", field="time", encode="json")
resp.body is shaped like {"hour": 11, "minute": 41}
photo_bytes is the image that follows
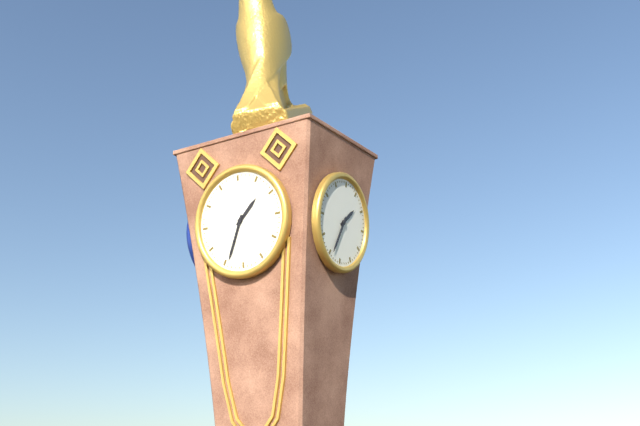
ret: {"hour": 1, "minute": 34}
